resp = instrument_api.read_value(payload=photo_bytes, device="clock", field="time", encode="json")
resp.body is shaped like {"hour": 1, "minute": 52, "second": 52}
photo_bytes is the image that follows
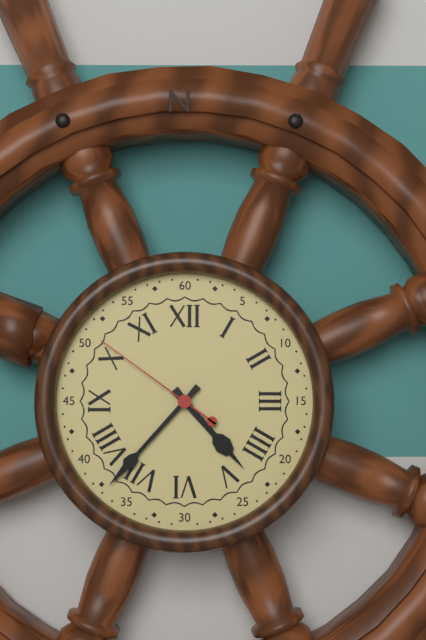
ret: {"hour": 4, "minute": 37, "second": 51}
